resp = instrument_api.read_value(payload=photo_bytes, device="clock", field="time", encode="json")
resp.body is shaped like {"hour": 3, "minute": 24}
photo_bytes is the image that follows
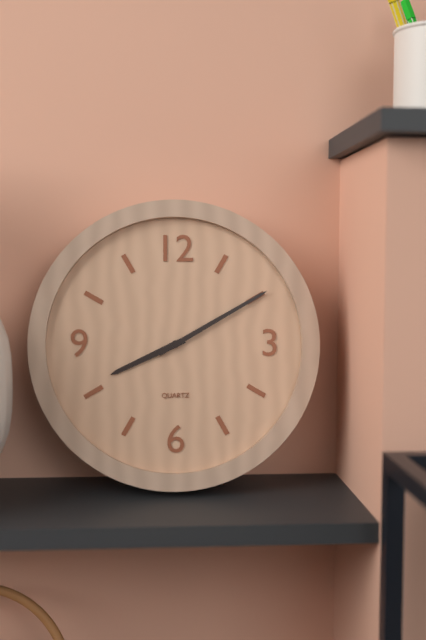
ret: {"hour": 8, "minute": 10}
